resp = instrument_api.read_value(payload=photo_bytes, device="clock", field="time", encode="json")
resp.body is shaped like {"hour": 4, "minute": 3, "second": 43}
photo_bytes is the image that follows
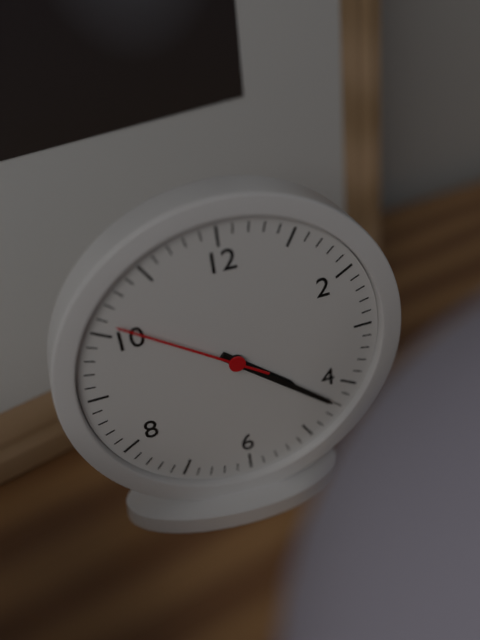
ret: {"hour": 4, "minute": 22, "second": 51}
